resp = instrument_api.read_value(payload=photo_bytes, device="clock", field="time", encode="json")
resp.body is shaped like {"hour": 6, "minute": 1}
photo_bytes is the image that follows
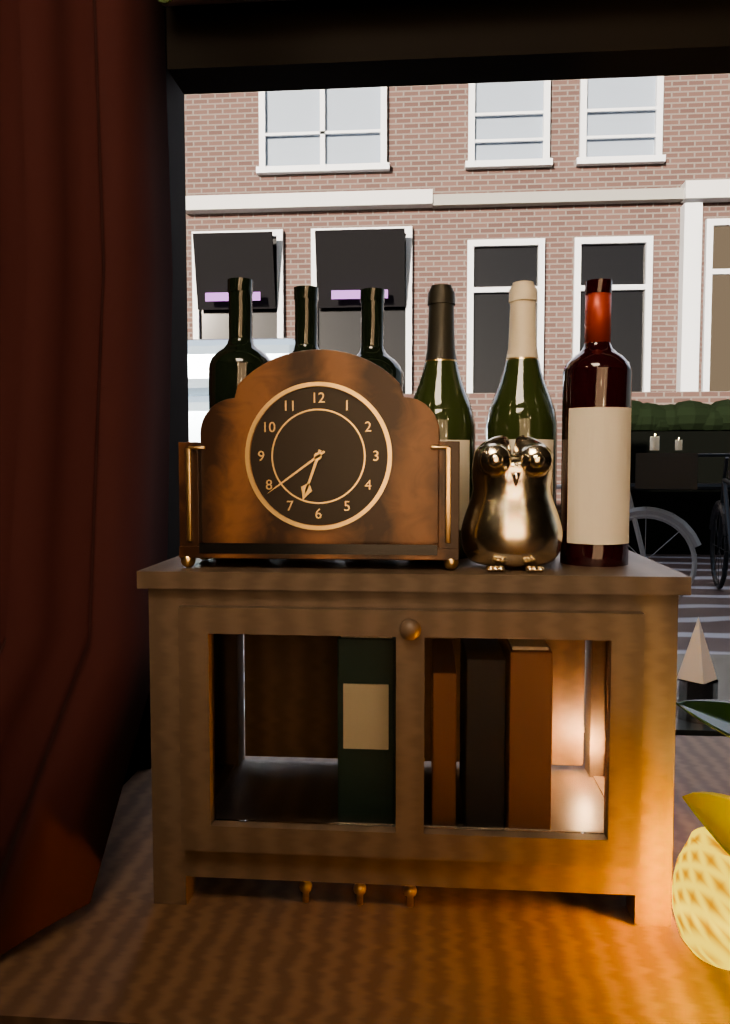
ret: {"hour": 6, "minute": 39}
